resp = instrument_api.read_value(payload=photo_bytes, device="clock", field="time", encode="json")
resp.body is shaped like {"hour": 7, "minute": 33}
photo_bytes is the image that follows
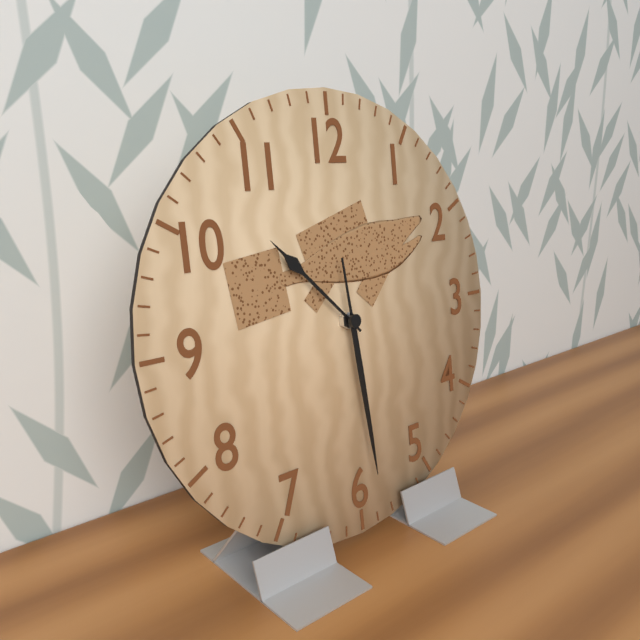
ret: {"hour": 10, "minute": 29}
